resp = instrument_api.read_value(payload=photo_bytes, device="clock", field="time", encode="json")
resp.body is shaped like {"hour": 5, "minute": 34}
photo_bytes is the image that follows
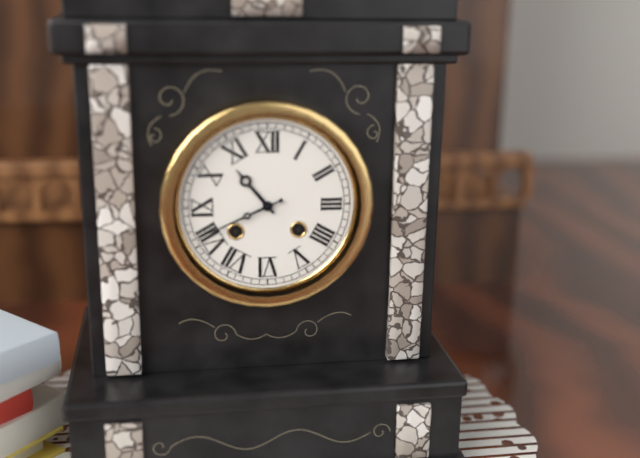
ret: {"hour": 10, "minute": 41}
